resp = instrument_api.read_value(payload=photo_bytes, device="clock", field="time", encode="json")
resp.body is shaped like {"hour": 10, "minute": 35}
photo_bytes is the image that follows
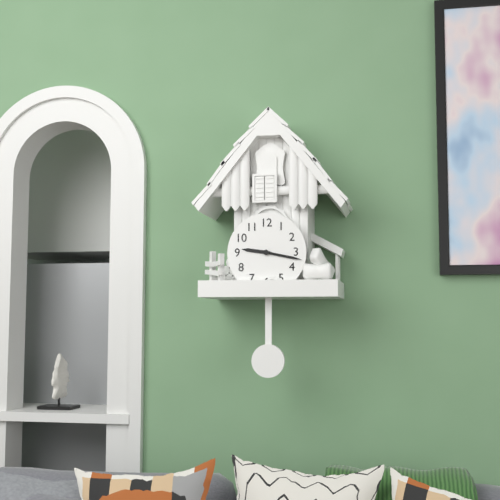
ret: {"hour": 9, "minute": 17}
